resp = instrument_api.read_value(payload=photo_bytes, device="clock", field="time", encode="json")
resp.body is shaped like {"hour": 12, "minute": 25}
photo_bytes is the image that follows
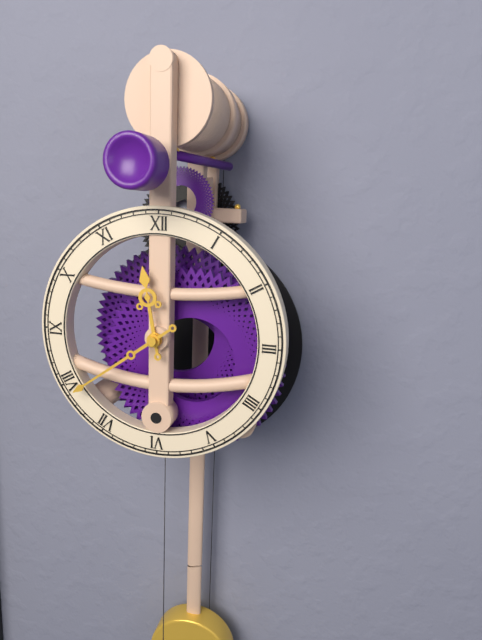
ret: {"hour": 11, "minute": 39}
